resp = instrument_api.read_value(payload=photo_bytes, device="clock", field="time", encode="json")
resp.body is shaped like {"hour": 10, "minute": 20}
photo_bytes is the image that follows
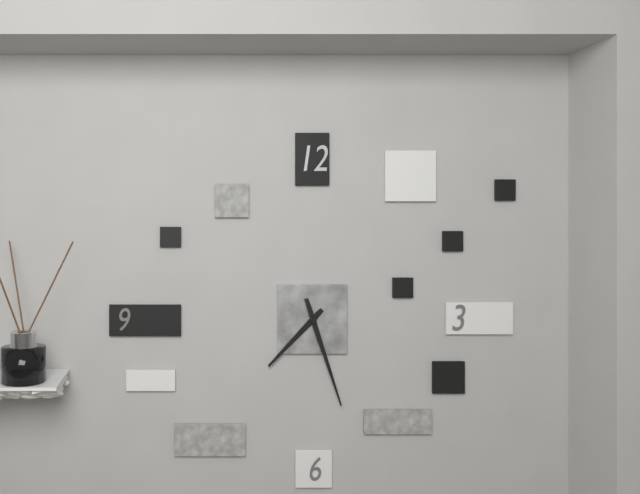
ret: {"hour": 7, "minute": 27}
